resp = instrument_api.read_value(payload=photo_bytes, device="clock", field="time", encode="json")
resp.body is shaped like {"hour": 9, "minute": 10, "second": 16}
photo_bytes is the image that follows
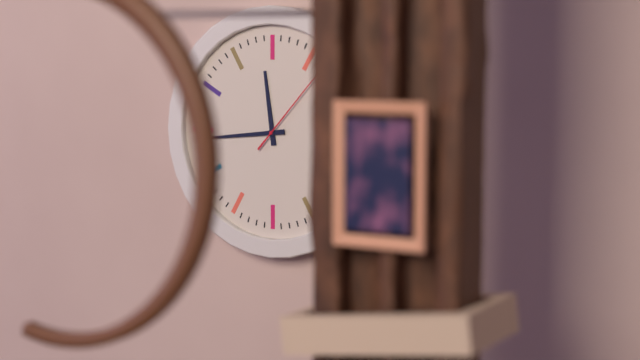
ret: {"hour": 11, "minute": 44, "second": 7}
